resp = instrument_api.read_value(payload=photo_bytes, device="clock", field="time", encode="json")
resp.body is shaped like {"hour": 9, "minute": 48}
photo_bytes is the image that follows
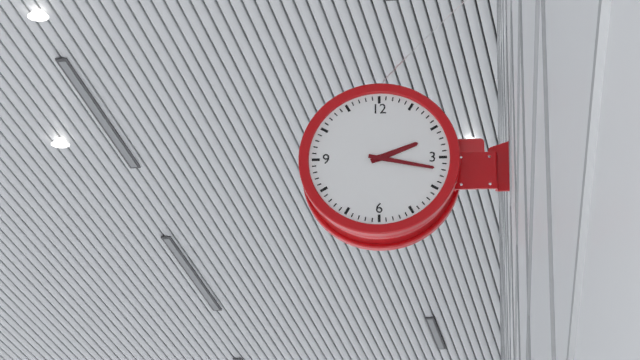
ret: {"hour": 2, "minute": 17}
